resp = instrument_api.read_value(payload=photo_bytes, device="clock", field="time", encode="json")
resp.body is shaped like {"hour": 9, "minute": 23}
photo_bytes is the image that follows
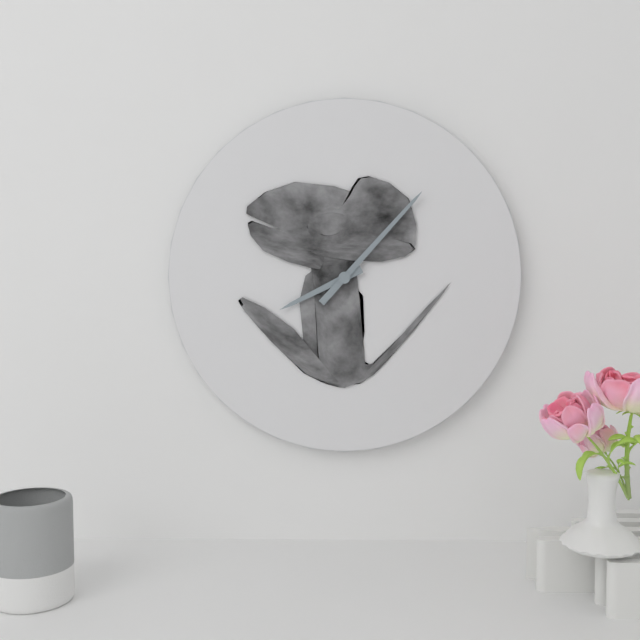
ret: {"hour": 8, "minute": 7}
